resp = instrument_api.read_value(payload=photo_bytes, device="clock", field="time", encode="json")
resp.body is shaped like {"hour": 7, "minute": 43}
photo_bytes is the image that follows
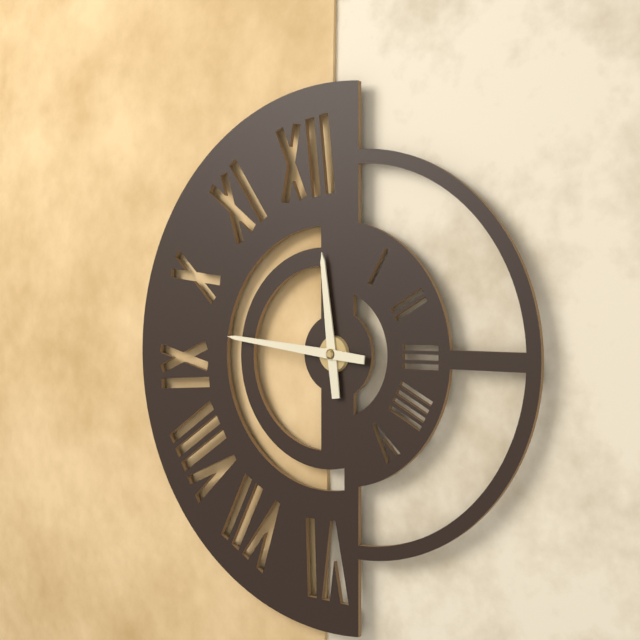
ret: {"hour": 11, "minute": 46}
